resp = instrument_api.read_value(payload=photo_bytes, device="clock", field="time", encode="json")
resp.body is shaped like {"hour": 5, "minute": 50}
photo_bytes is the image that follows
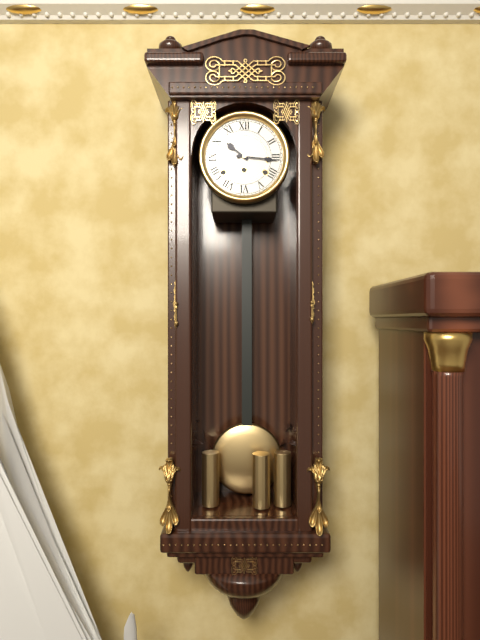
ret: {"hour": 10, "minute": 16}
